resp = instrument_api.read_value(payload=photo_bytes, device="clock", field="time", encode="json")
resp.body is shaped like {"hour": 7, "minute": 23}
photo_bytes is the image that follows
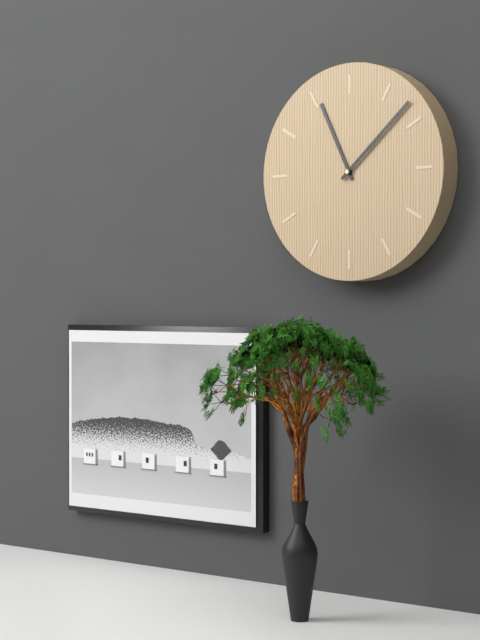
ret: {"hour": 11, "minute": 8}
